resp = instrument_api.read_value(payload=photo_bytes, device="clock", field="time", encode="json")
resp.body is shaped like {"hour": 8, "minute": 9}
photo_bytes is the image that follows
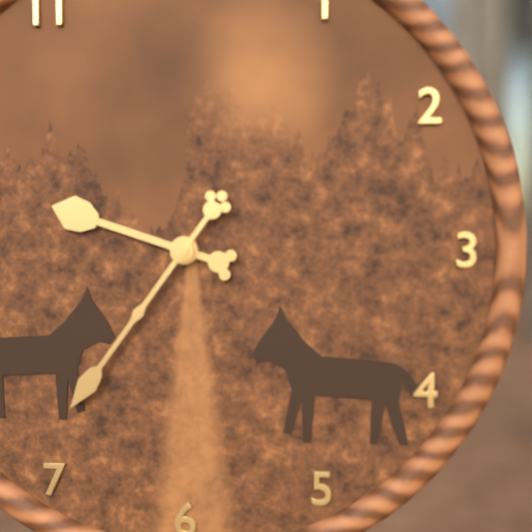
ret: {"hour": 9, "minute": 36}
